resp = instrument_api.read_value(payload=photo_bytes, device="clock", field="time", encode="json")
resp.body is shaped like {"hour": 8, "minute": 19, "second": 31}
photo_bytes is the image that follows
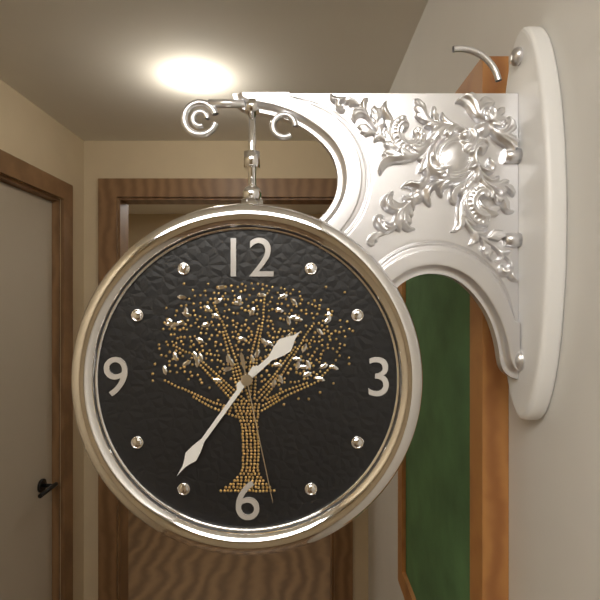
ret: {"hour": 1, "minute": 36, "second": 28}
